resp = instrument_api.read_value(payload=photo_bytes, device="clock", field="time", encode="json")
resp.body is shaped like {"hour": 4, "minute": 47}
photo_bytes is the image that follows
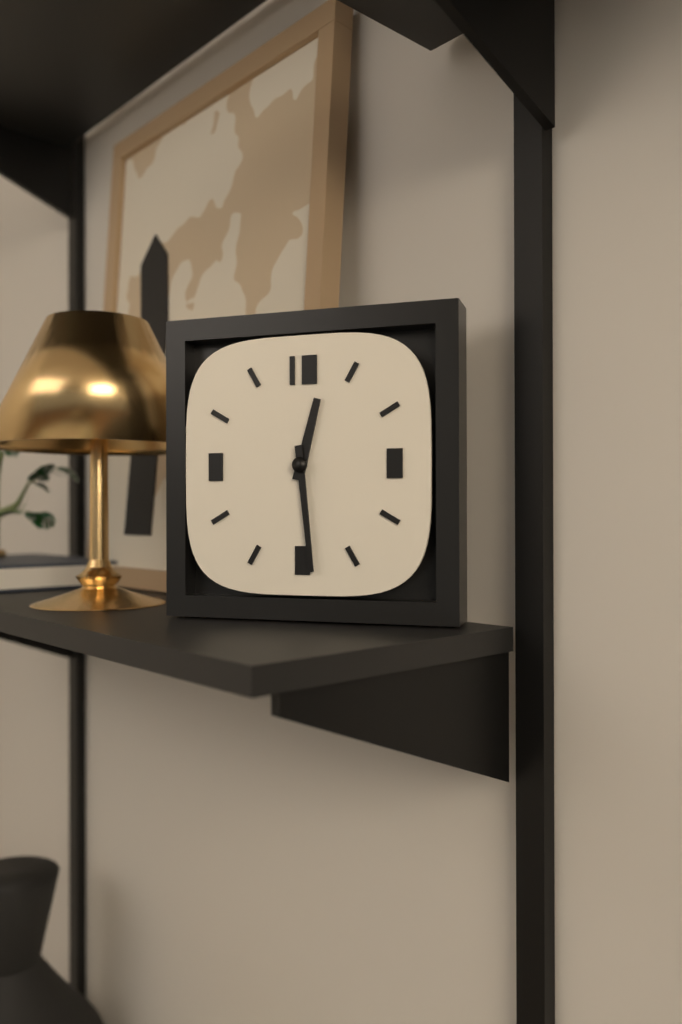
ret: {"hour": 12, "minute": 29}
